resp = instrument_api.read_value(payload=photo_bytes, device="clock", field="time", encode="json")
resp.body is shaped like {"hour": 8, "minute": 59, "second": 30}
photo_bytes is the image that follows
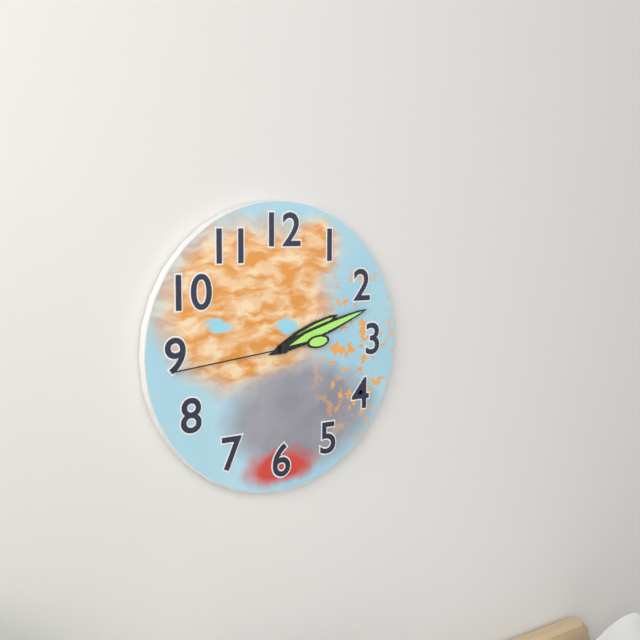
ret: {"hour": 2, "minute": 12, "second": 44}
